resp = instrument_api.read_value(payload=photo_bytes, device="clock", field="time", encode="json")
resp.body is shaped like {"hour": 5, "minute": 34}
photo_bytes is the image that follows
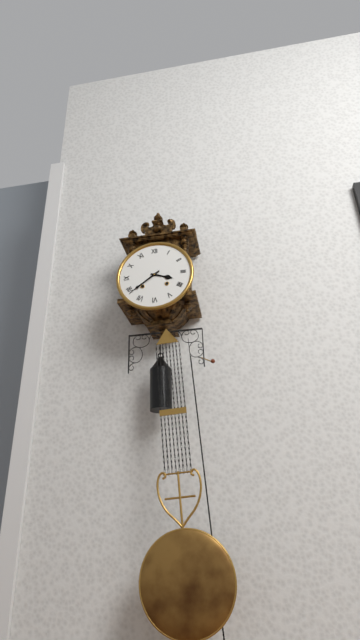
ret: {"hour": 3, "minute": 39}
